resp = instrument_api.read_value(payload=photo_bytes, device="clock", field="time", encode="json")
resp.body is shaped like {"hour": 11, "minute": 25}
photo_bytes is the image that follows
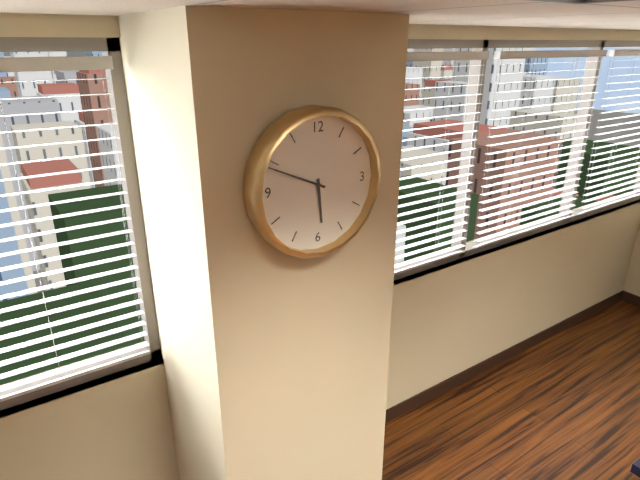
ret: {"hour": 5, "minute": 49}
